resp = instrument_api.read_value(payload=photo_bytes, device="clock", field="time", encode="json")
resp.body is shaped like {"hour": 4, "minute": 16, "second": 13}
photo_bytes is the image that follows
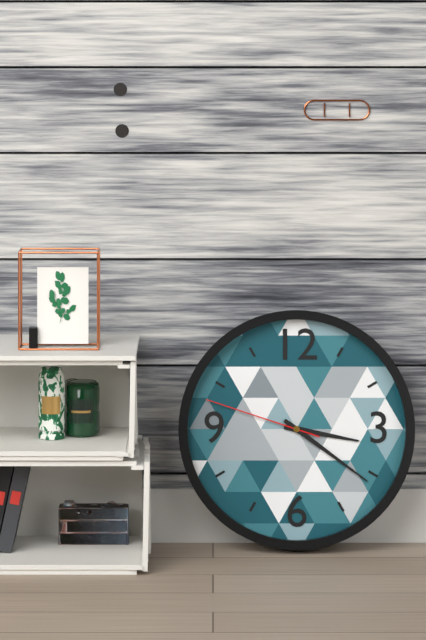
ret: {"hour": 3, "minute": 21, "second": 48}
